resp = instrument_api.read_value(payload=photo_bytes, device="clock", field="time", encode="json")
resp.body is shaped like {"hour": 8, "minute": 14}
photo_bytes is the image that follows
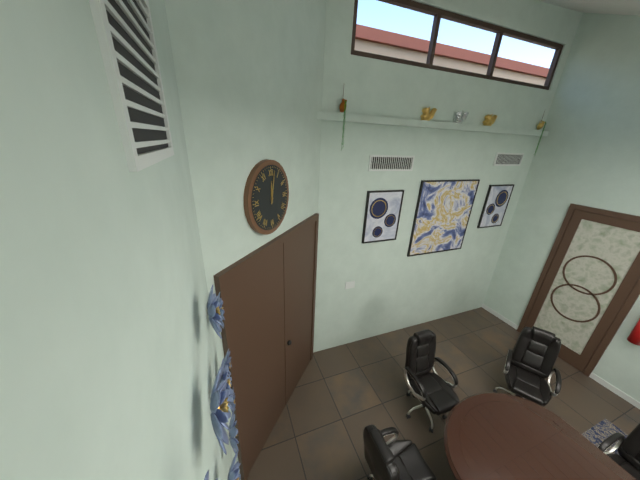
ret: {"hour": 12, "minute": 2}
